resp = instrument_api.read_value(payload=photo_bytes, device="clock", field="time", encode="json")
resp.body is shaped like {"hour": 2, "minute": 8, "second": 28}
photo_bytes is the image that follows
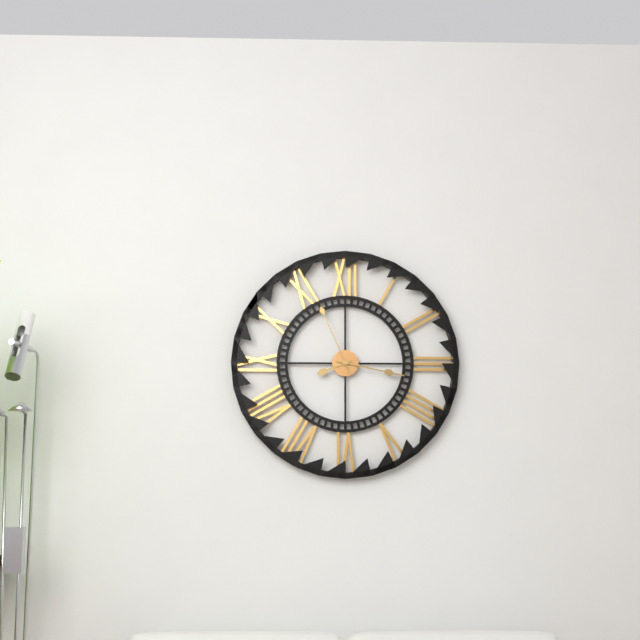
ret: {"hour": 8, "minute": 17, "second": 56}
